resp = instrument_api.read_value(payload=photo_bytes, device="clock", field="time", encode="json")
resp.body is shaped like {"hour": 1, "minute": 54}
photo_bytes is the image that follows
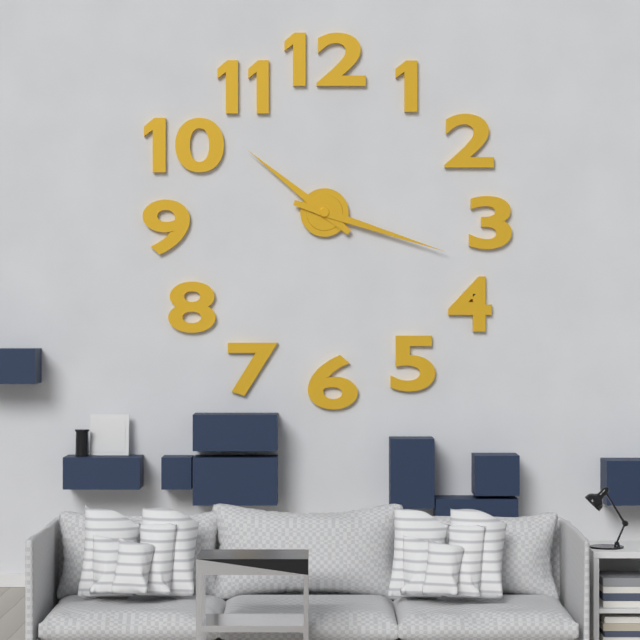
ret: {"hour": 10, "minute": 18}
